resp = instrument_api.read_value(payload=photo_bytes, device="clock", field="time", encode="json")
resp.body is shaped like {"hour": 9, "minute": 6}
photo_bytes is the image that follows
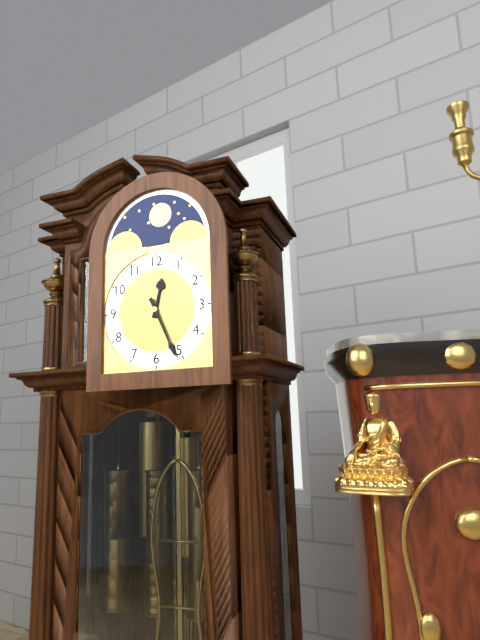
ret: {"hour": 12, "minute": 26}
